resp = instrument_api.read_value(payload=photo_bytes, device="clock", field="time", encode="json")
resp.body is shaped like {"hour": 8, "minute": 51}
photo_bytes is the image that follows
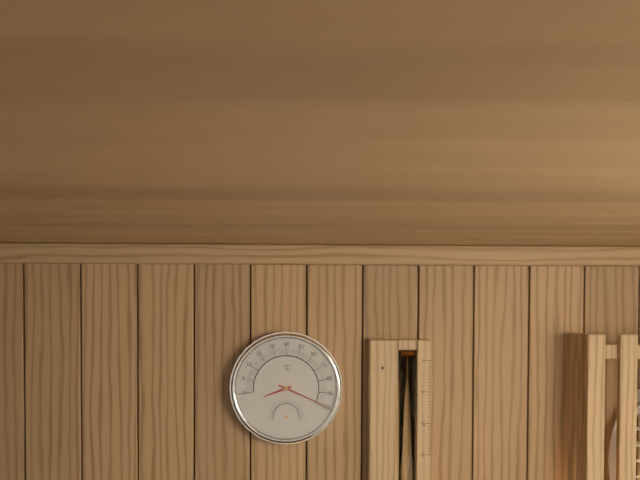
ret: {"hour": 8, "minute": 19}
